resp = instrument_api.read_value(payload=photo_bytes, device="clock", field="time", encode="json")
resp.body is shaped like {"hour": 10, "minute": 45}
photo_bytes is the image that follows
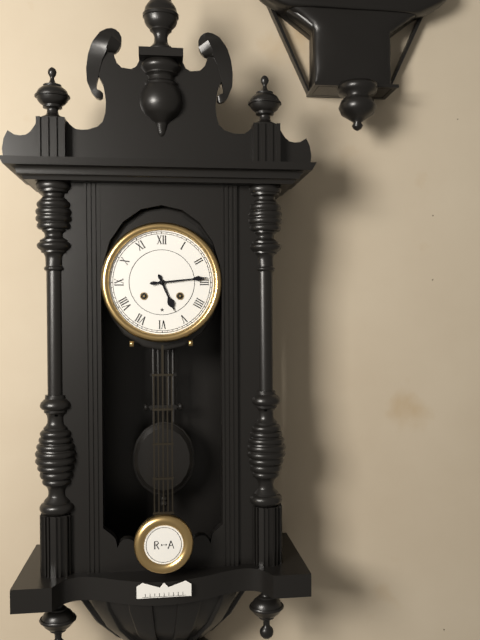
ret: {"hour": 5, "minute": 14}
